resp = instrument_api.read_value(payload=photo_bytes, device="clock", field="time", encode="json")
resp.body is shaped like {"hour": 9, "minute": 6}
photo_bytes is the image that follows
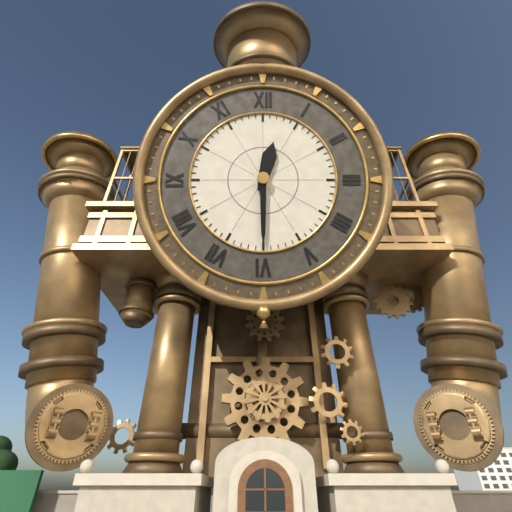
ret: {"hour": 12, "minute": 30}
